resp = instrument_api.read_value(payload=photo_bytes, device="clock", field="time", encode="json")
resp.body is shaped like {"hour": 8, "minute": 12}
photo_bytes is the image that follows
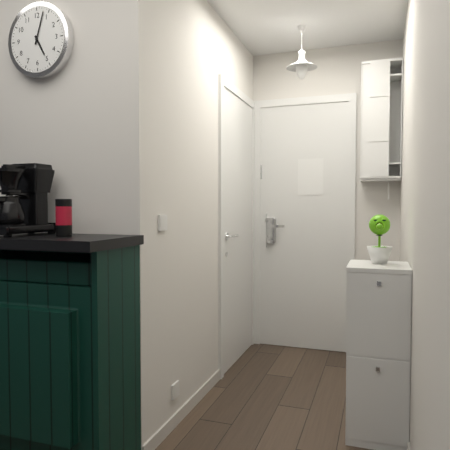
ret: {"hour": 5, "minute": 3}
